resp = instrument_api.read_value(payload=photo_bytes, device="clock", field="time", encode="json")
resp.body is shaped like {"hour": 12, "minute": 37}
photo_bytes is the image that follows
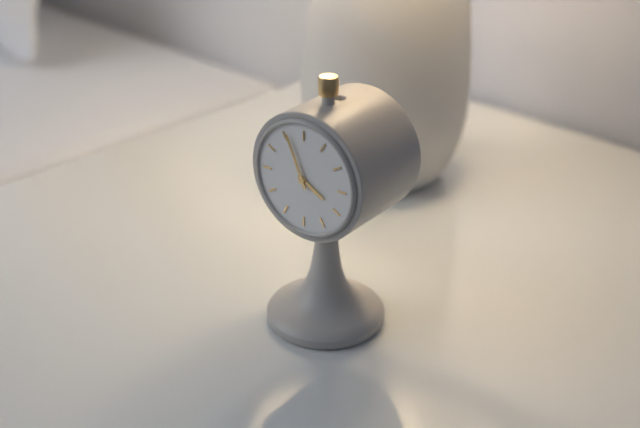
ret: {"hour": 3, "minute": 56}
